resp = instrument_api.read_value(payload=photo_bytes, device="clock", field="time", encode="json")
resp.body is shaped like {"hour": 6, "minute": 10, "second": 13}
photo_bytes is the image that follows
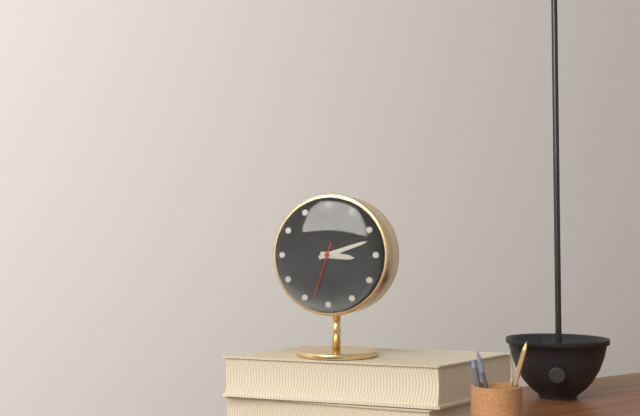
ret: {"hour": 3, "minute": 12, "second": 33}
